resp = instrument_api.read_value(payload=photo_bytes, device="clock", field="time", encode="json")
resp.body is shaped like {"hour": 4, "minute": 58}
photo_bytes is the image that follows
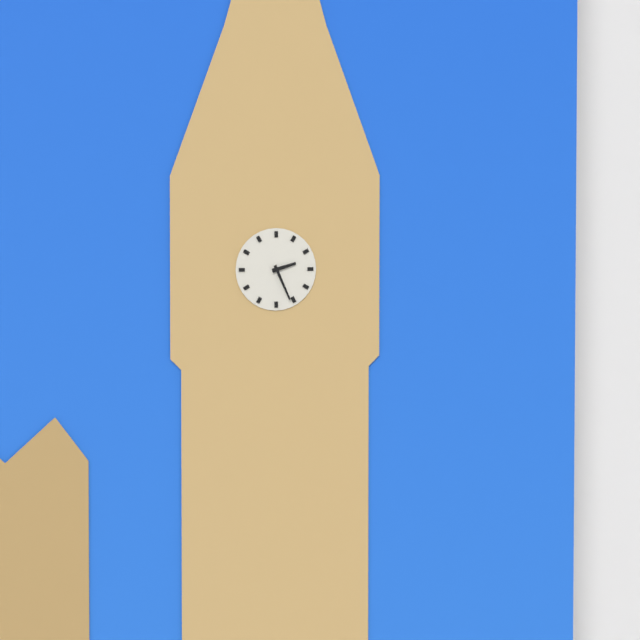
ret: {"hour": 2, "minute": 26}
